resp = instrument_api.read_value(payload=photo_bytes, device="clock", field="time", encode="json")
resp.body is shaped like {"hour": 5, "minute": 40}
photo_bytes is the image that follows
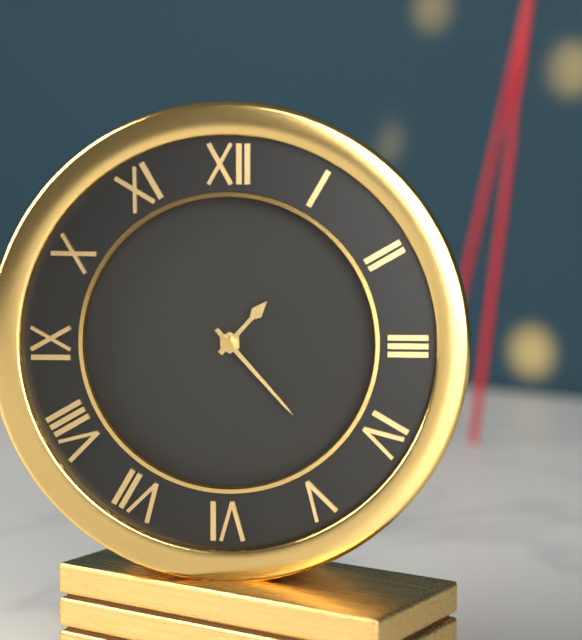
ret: {"hour": 1, "minute": 23}
